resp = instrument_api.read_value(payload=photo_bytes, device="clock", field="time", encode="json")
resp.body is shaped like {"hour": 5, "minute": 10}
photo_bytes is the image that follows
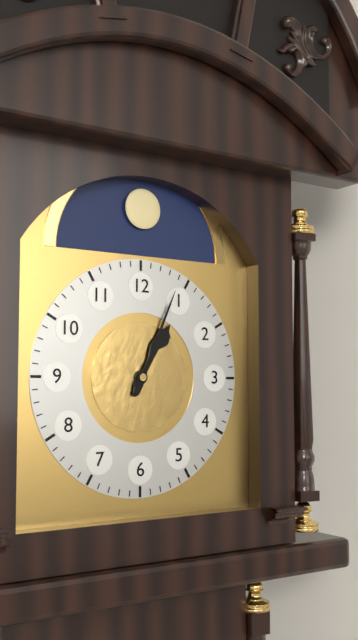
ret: {"hour": 1, "minute": 4}
